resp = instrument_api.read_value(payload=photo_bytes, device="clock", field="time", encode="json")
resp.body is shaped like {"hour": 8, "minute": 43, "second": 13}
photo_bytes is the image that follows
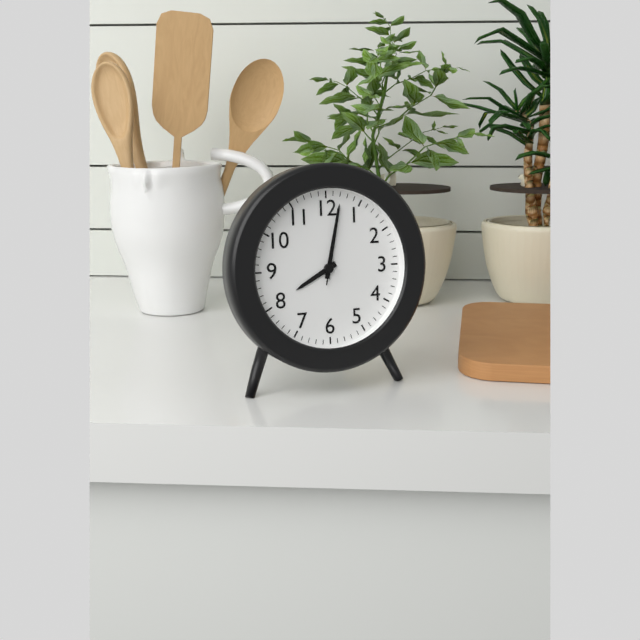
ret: {"hour": 8, "minute": 2, "second": 2}
